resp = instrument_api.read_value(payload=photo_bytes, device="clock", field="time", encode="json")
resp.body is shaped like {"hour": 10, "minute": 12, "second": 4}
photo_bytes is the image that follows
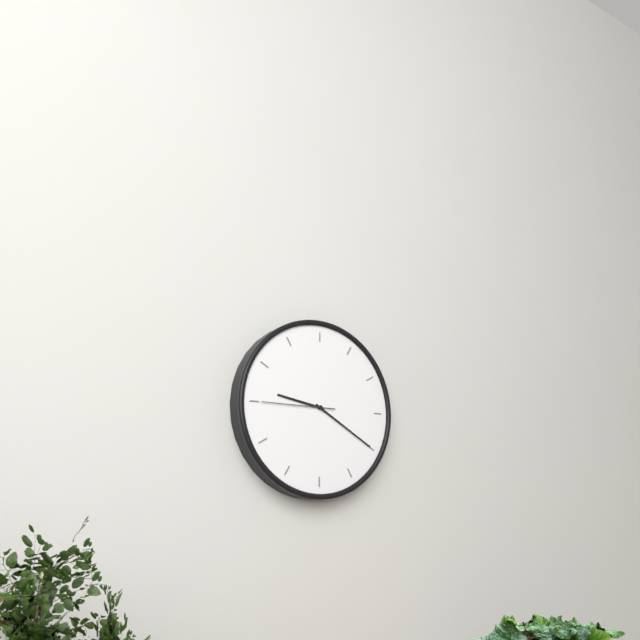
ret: {"hour": 9, "minute": 20, "second": 45}
